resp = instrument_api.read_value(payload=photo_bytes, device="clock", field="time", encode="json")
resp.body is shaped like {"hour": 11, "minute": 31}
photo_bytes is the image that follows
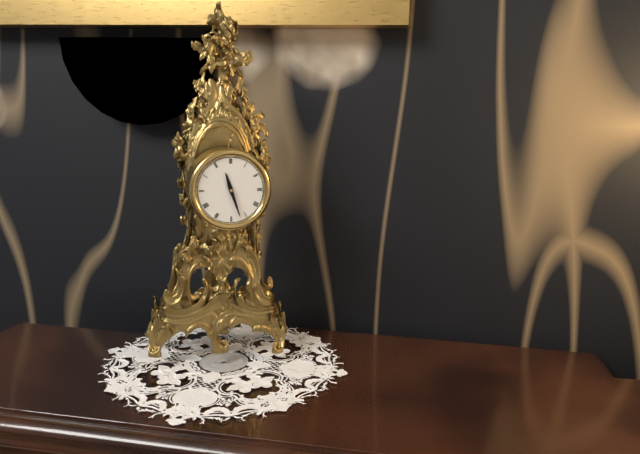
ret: {"hour": 11, "minute": 27}
